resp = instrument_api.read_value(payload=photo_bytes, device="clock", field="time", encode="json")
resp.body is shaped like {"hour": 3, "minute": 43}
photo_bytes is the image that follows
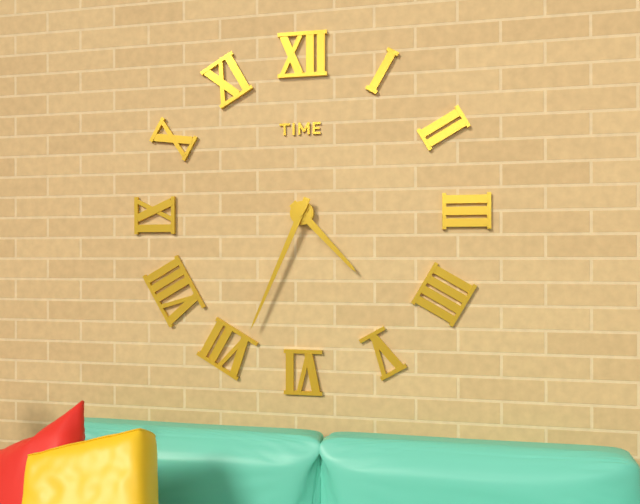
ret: {"hour": 4, "minute": 34}
